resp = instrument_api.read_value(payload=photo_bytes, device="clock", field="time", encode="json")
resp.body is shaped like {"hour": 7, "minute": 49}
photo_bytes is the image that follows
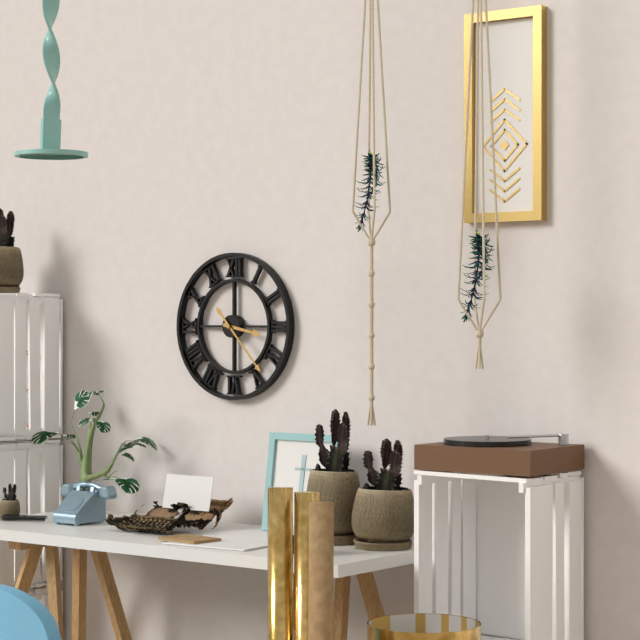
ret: {"hour": 3, "minute": 23}
